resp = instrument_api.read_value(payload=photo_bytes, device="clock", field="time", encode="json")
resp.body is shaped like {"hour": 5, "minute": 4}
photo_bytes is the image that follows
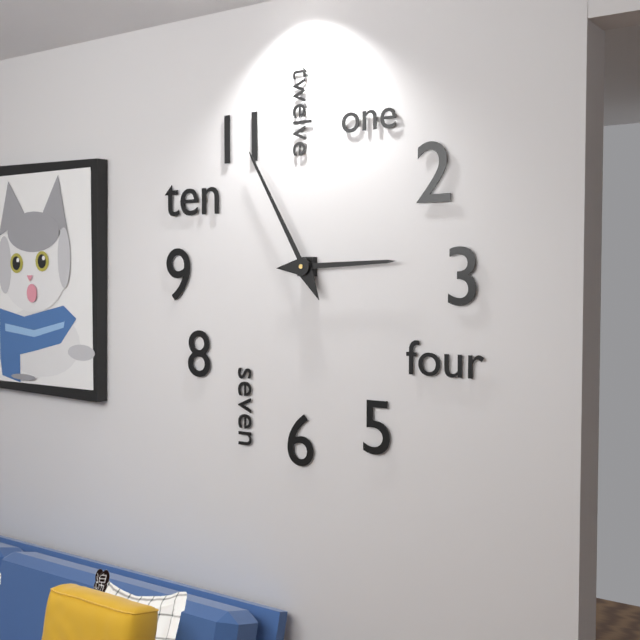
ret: {"hour": 2, "minute": 55}
